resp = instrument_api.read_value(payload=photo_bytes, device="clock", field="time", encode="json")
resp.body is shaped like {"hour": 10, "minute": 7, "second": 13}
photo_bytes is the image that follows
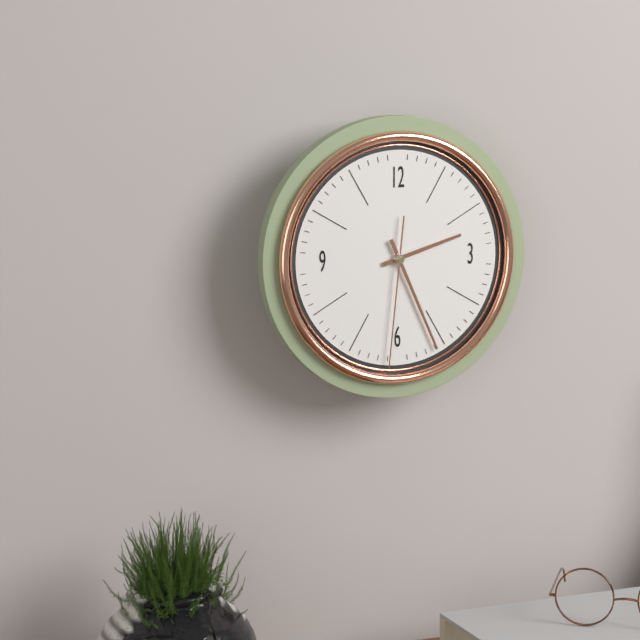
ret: {"hour": 2, "minute": 26, "second": 31}
